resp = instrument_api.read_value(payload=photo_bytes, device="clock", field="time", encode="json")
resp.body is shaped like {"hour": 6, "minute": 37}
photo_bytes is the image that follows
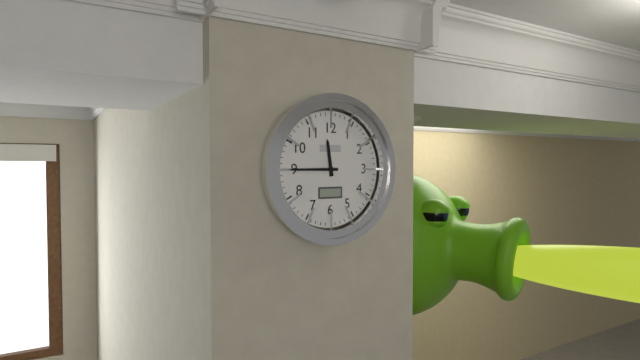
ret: {"hour": 11, "minute": 45}
